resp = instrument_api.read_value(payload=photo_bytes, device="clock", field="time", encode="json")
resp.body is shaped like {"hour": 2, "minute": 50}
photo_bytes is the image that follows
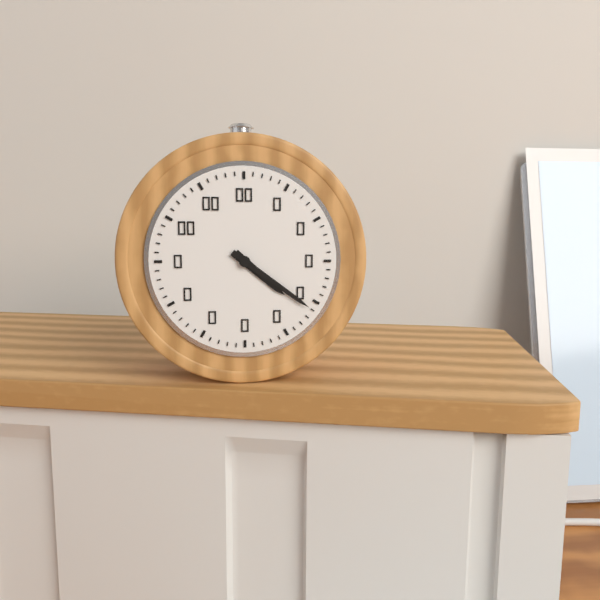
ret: {"hour": 4, "minute": 21}
